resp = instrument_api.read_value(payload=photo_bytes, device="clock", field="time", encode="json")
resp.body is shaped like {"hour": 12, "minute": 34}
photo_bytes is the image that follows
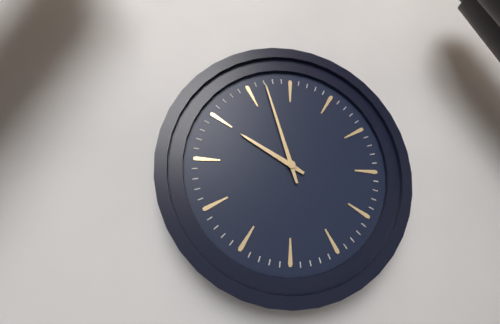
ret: {"hour": 9, "minute": 57}
